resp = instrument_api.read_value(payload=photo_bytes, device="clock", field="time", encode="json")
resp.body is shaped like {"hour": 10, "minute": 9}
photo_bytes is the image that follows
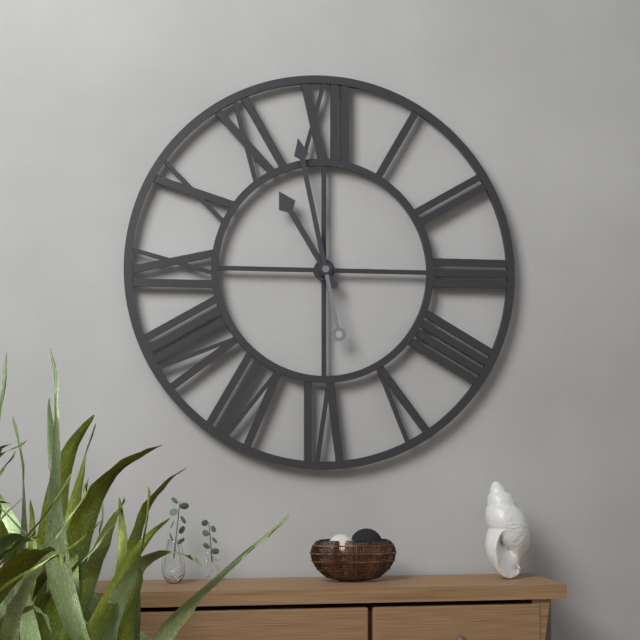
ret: {"hour": 10, "minute": 58}
